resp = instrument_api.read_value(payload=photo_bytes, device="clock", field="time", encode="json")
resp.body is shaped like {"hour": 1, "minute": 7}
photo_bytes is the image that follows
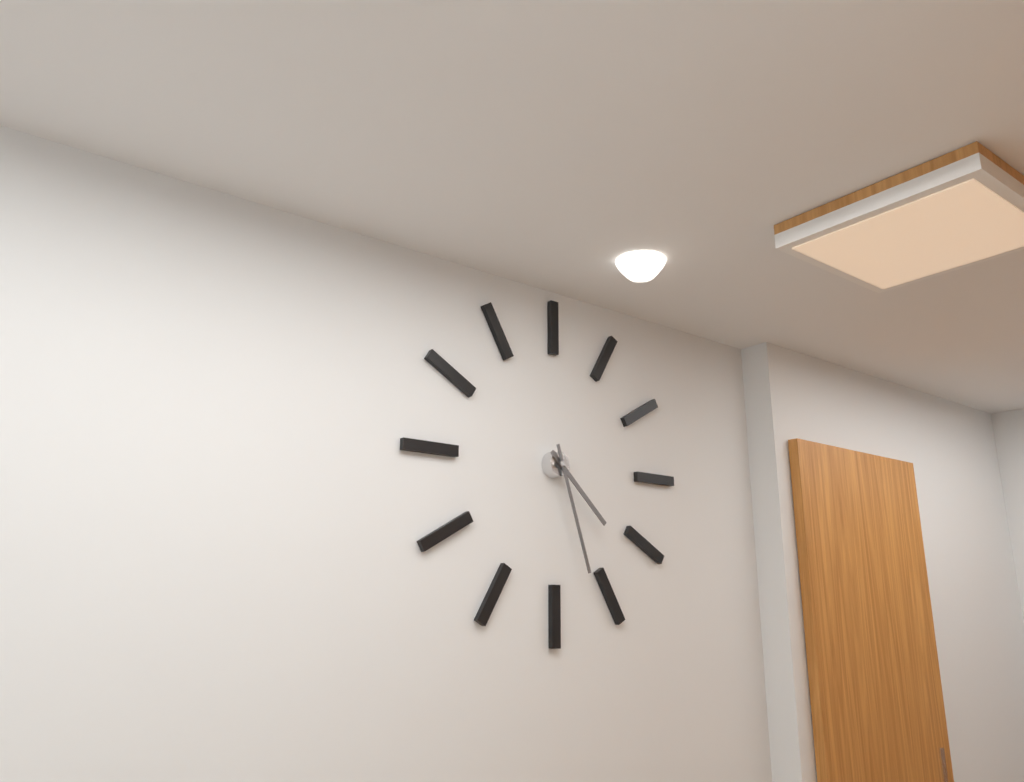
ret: {"hour": 4, "minute": 27}
